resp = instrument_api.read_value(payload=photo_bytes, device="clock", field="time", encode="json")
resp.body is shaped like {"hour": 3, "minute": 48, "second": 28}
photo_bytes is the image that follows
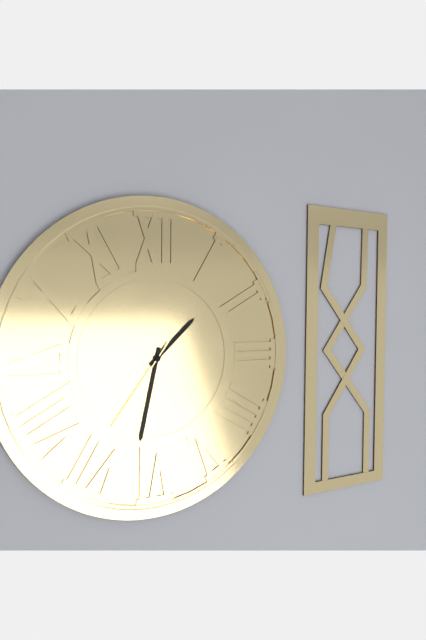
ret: {"hour": 1, "minute": 32, "second": 36}
